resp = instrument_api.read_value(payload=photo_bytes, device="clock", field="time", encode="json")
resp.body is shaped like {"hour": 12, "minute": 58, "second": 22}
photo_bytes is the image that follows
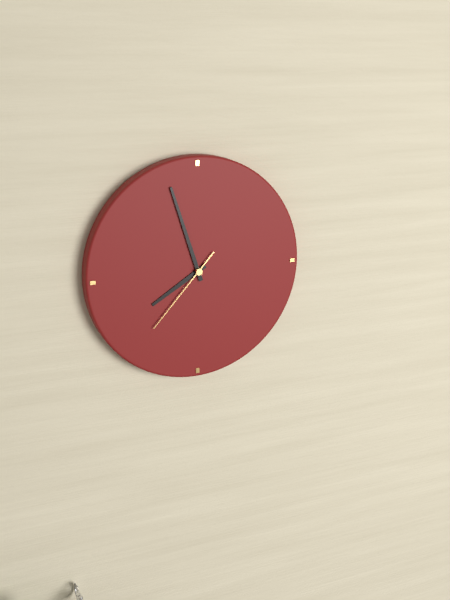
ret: {"hour": 7, "minute": 57, "second": 37}
